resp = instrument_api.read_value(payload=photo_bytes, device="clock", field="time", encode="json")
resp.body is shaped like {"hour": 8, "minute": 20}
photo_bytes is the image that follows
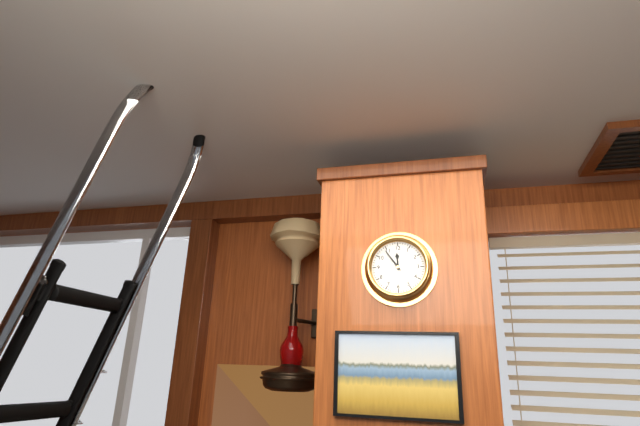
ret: {"hour": 11, "minute": 54}
